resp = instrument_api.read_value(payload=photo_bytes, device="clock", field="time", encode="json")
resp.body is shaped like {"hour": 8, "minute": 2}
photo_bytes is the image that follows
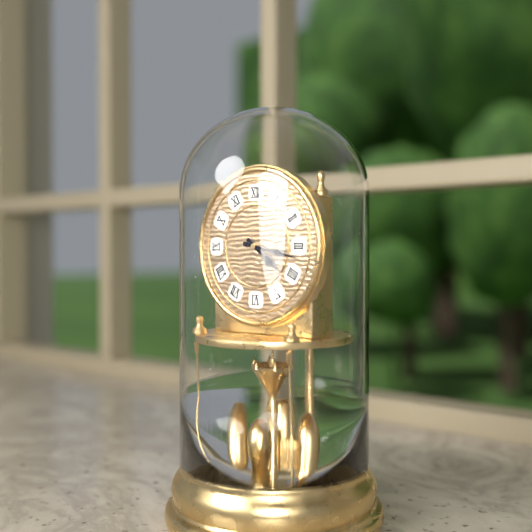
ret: {"hour": 4, "minute": 17}
